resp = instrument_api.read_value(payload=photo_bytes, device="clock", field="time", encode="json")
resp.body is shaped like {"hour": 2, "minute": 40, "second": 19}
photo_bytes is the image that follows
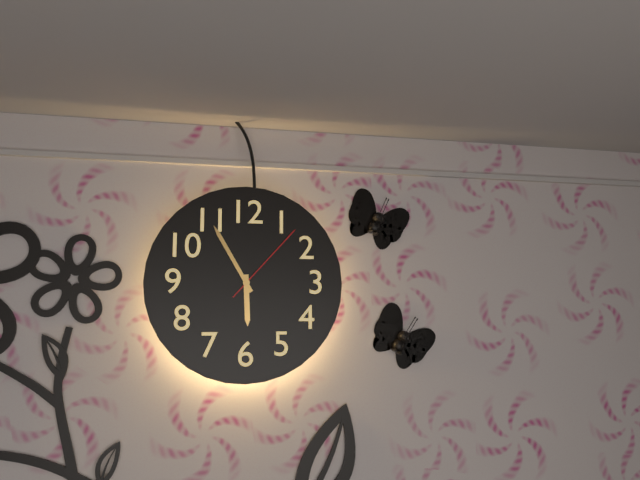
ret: {"hour": 5, "minute": 55, "second": 7}
